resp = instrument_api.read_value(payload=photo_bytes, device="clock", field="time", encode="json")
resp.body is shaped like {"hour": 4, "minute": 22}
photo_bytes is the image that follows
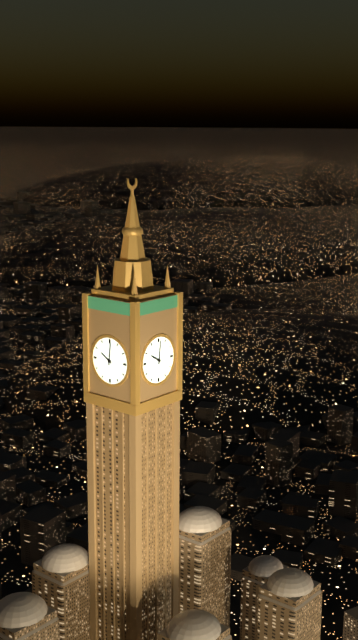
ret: {"hour": 10, "minute": 1}
